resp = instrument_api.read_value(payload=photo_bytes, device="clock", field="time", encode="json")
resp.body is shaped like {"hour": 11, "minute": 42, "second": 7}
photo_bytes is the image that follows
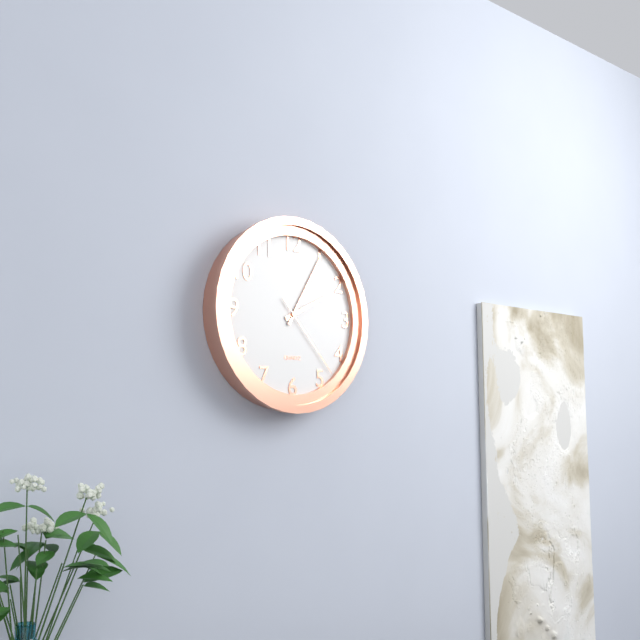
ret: {"hour": 2, "minute": 5, "second": 23}
